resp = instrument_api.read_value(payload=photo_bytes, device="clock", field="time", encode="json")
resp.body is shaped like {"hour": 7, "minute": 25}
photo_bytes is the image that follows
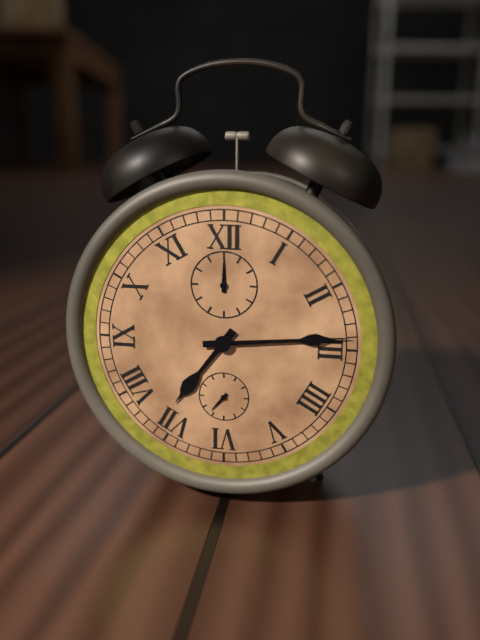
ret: {"hour": 7, "minute": 14}
